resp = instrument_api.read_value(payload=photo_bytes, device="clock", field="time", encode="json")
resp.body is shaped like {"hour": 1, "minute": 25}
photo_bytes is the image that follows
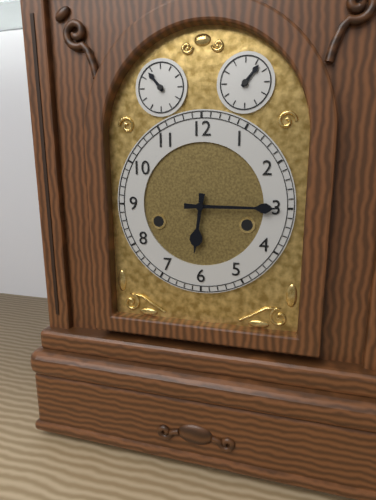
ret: {"hour": 6, "minute": 15}
